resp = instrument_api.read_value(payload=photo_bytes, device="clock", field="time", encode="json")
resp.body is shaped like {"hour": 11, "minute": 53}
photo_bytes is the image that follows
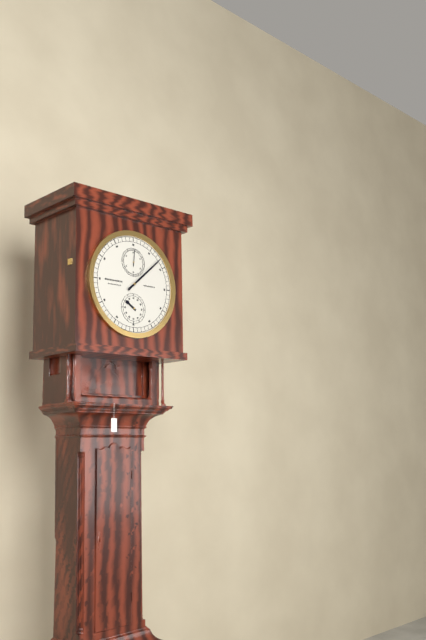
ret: {"hour": 10, "minute": 8}
